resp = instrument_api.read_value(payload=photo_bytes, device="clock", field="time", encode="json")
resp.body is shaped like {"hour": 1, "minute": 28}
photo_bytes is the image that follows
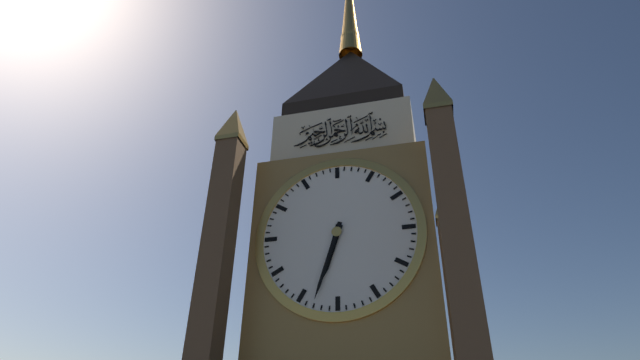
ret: {"hour": 6, "minute": 33}
